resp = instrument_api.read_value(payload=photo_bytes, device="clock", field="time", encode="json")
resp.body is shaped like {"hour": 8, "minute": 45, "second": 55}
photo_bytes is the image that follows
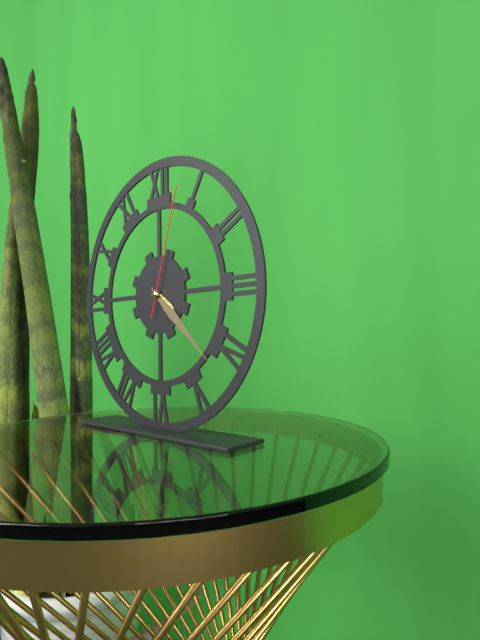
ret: {"hour": 4, "minute": 22, "second": 3}
